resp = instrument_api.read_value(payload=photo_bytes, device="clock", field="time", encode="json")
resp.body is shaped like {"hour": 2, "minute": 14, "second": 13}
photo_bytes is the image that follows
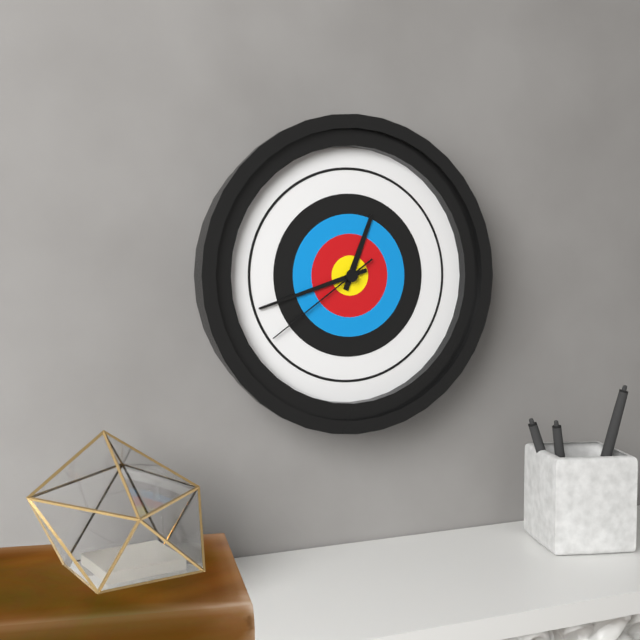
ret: {"hour": 12, "minute": 42, "second": 39}
